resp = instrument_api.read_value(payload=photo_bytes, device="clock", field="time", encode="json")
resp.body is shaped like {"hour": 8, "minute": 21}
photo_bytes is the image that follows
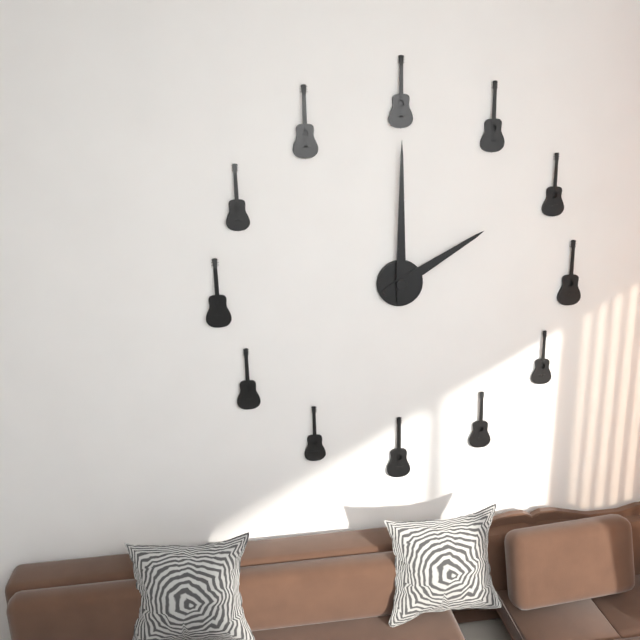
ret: {"hour": 2, "minute": 0}
